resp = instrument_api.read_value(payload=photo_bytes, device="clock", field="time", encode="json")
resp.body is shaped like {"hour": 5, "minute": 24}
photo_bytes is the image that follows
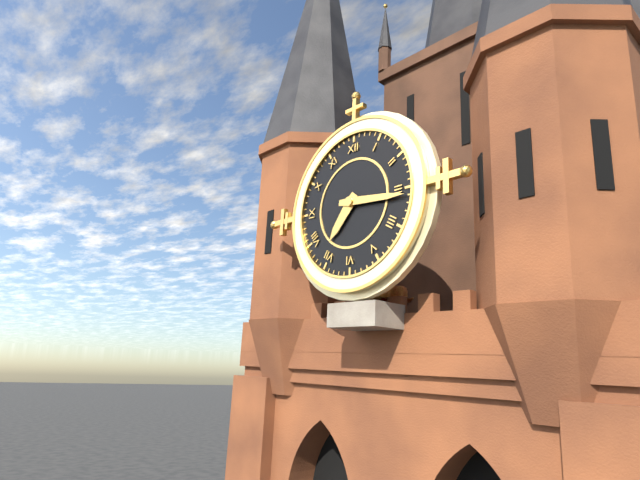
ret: {"hour": 7, "minute": 16}
